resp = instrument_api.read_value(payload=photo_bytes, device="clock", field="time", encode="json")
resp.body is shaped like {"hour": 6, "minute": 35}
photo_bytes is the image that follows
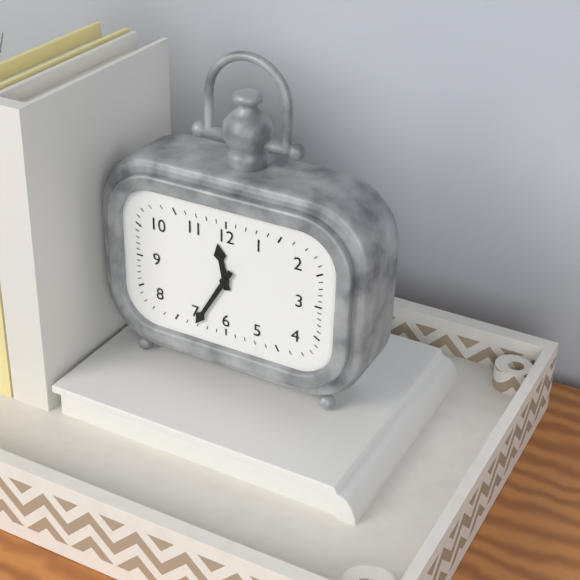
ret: {"hour": 11, "minute": 35}
